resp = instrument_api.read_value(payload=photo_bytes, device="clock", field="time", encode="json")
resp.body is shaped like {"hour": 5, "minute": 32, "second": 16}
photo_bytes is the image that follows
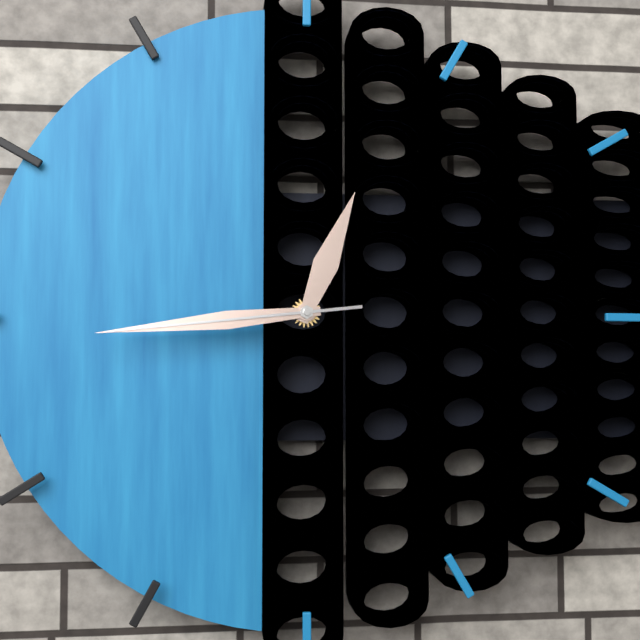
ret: {"hour": 12, "minute": 44, "second": 44}
